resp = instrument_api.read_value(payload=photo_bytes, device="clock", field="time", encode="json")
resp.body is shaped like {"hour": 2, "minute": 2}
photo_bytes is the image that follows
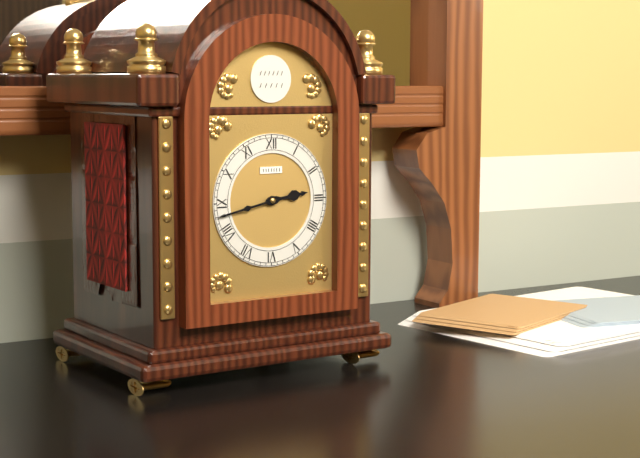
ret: {"hour": 2, "minute": 43}
